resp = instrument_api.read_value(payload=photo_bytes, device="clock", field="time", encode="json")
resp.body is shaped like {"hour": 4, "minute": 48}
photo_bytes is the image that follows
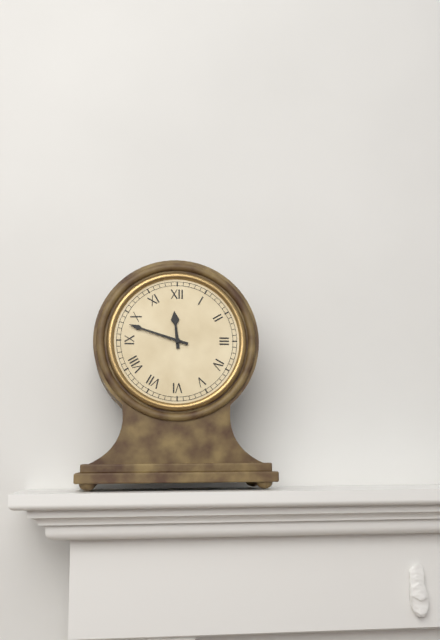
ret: {"hour": 11, "minute": 48}
